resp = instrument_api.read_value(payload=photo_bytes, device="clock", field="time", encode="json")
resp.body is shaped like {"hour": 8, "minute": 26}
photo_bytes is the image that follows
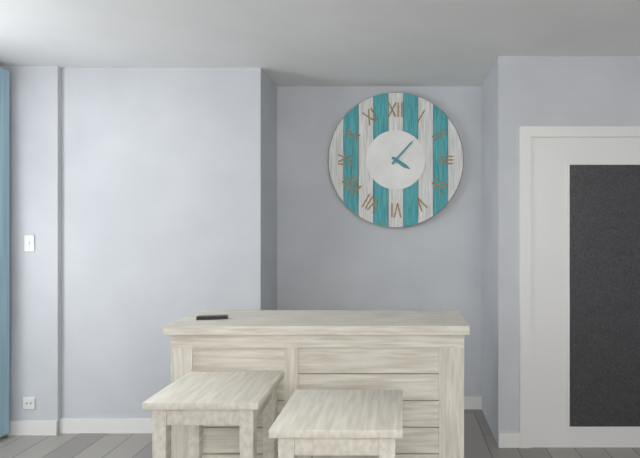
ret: {"hour": 4, "minute": 7}
